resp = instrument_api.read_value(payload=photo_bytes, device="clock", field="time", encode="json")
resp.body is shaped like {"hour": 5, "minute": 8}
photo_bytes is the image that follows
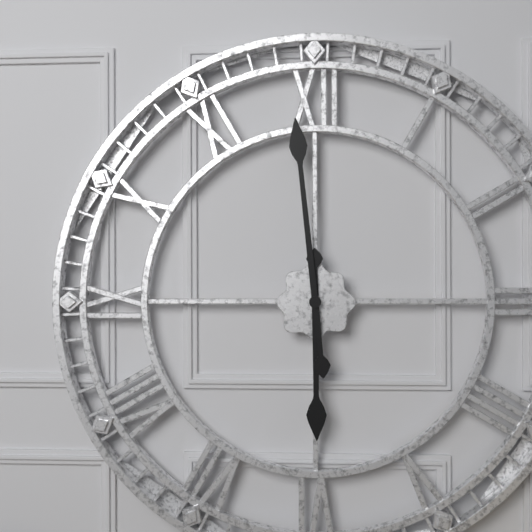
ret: {"hour": 5, "minute": 59}
